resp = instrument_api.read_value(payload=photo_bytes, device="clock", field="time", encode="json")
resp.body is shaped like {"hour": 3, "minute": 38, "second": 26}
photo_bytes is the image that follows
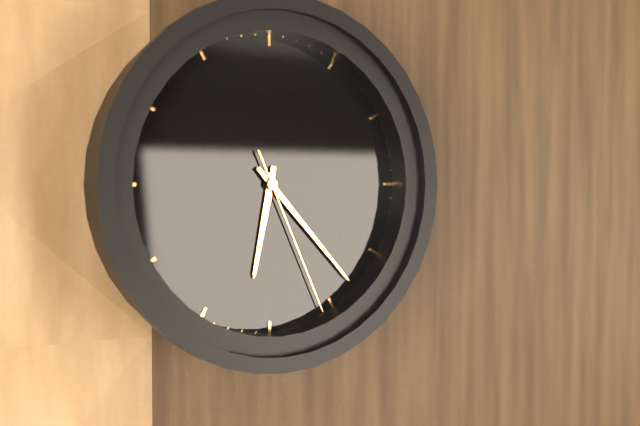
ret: {"hour": 6, "minute": 23, "second": 26}
